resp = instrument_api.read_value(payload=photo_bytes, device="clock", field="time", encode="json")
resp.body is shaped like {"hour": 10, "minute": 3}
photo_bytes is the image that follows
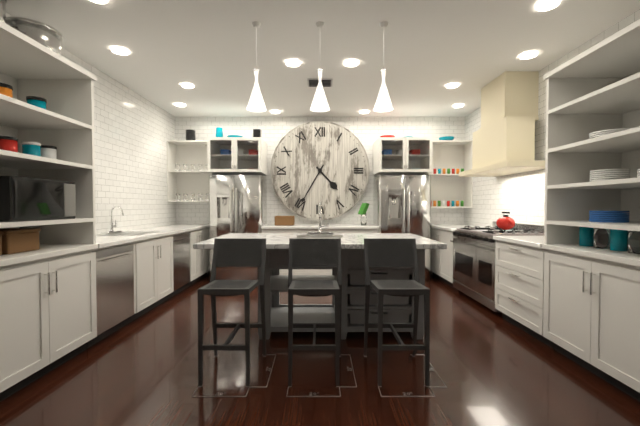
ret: {"hour": 4, "minute": 35}
